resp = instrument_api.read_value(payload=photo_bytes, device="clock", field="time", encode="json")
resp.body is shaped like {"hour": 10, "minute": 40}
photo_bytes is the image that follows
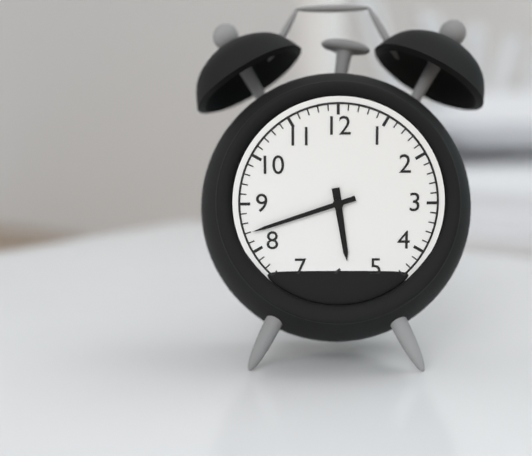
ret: {"hour": 5, "minute": 42}
